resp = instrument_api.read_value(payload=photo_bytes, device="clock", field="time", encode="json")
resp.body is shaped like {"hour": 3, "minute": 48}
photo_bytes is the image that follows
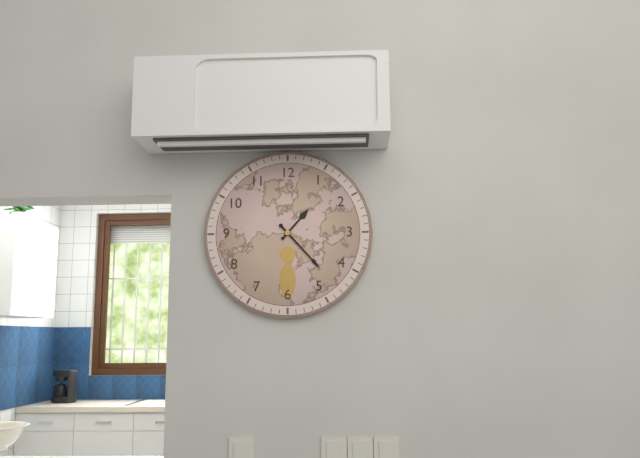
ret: {"hour": 1, "minute": 23}
